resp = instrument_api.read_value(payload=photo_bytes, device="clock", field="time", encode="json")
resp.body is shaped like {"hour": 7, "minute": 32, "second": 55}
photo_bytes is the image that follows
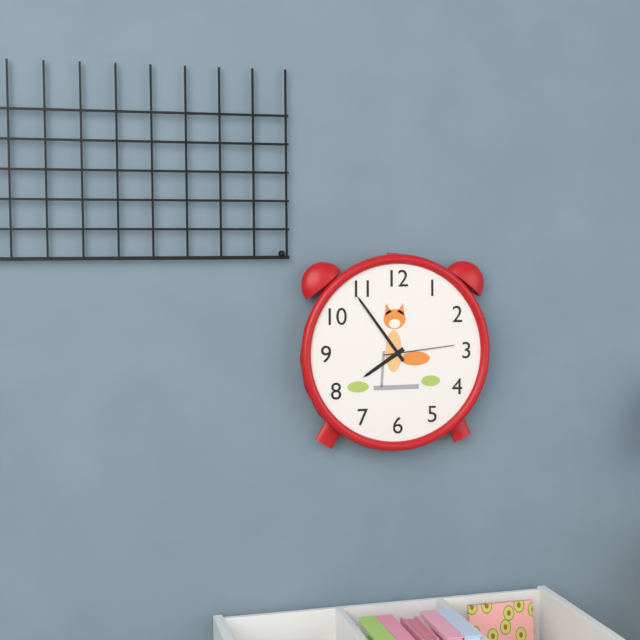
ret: {"hour": 7, "minute": 54, "second": 14}
